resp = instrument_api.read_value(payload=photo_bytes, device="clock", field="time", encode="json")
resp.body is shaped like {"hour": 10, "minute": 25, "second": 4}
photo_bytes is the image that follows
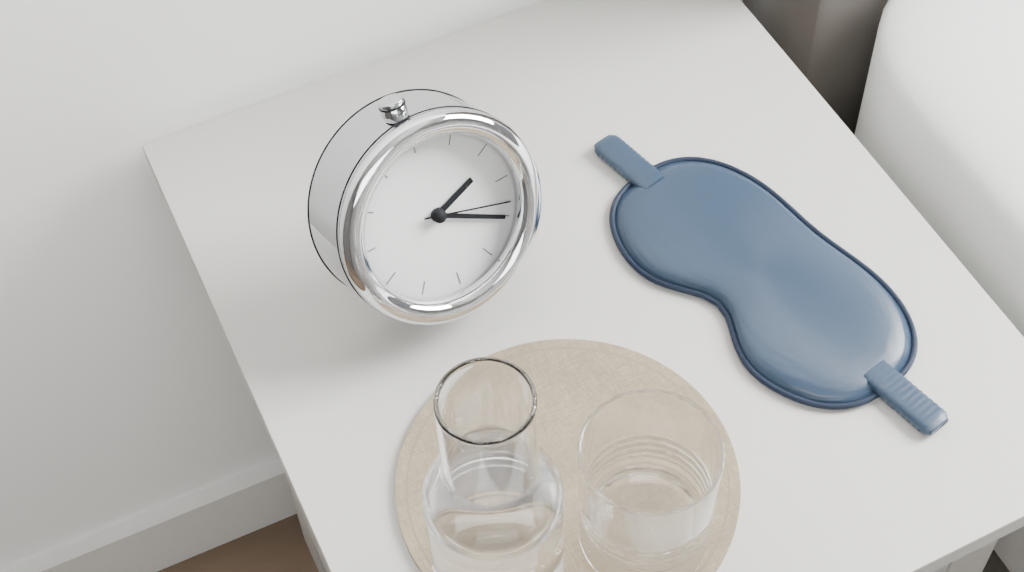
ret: {"hour": 2, "minute": 20, "second": 18}
